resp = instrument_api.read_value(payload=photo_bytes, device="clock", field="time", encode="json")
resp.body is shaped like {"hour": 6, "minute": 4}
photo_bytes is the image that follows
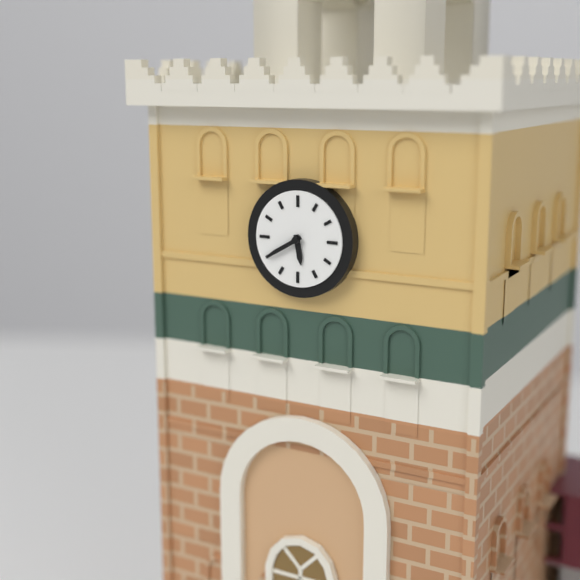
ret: {"hour": 5, "minute": 40}
